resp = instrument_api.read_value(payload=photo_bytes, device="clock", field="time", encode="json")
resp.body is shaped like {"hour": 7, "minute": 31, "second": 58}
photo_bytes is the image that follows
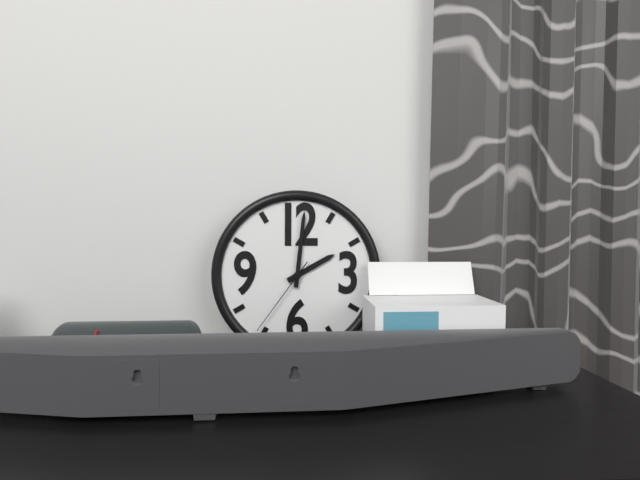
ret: {"hour": 2, "minute": 1, "second": 36}
